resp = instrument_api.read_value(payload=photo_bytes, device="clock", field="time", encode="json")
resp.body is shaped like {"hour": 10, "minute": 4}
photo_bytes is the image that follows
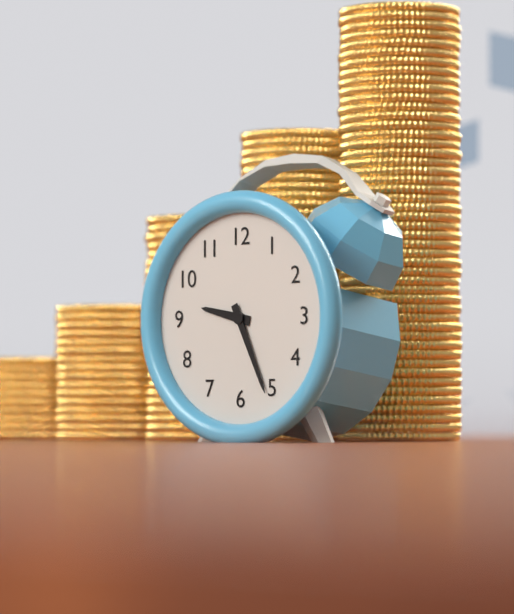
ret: {"hour": 9, "minute": 26}
